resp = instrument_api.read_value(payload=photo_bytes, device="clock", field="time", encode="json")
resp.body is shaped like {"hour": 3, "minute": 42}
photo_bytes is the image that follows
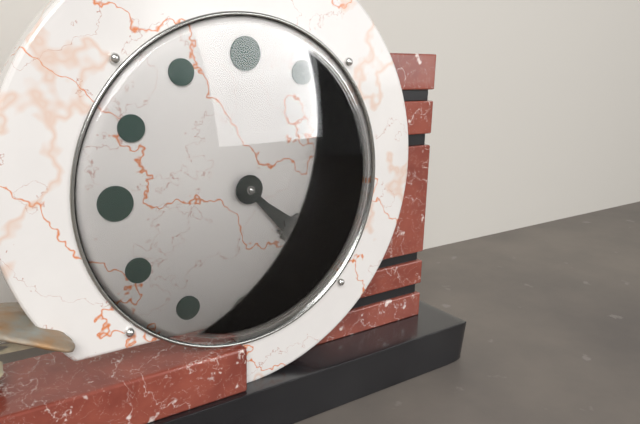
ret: {"hour": 4, "minute": 23}
